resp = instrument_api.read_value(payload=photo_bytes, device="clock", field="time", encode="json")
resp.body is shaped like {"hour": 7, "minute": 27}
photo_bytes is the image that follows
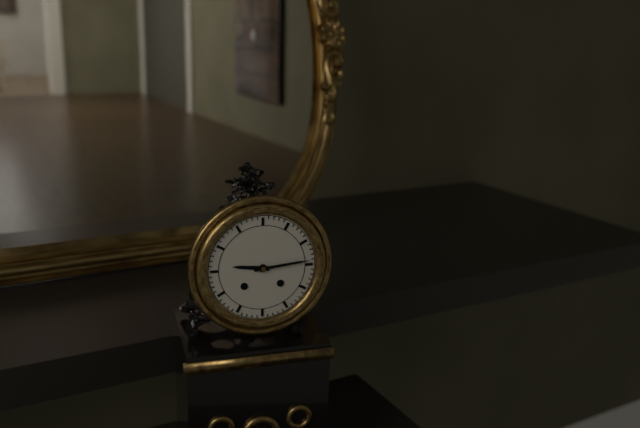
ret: {"hour": 9, "minute": 14}
